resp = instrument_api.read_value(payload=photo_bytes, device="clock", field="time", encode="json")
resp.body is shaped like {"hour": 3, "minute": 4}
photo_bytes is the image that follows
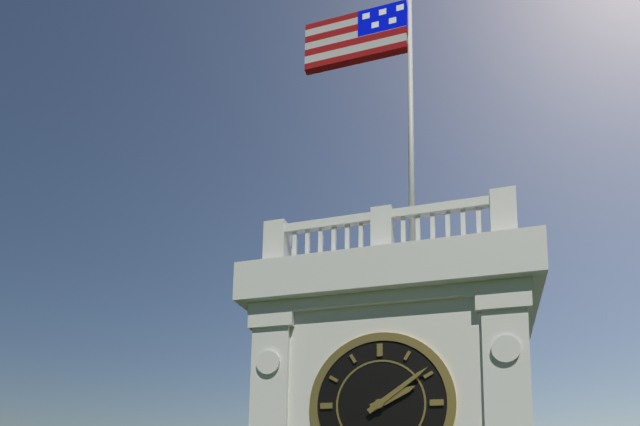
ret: {"hour": 2, "minute": 9}
